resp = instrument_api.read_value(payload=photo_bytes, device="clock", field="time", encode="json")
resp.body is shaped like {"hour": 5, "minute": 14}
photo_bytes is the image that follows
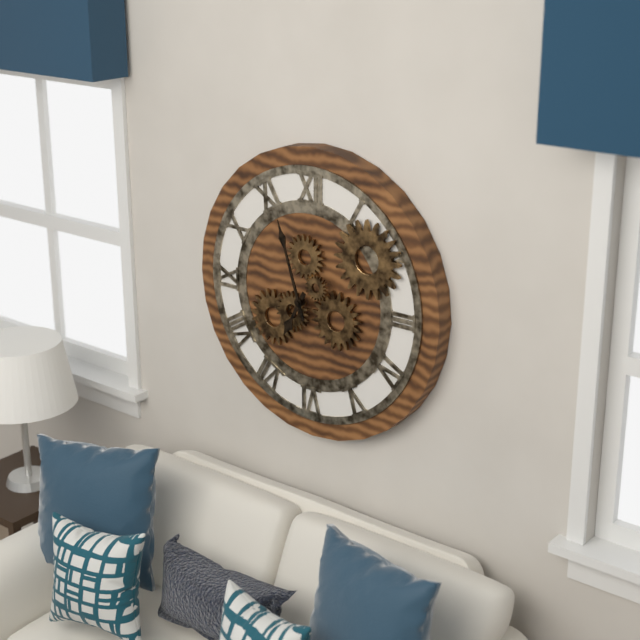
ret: {"hour": 6, "minute": 57}
